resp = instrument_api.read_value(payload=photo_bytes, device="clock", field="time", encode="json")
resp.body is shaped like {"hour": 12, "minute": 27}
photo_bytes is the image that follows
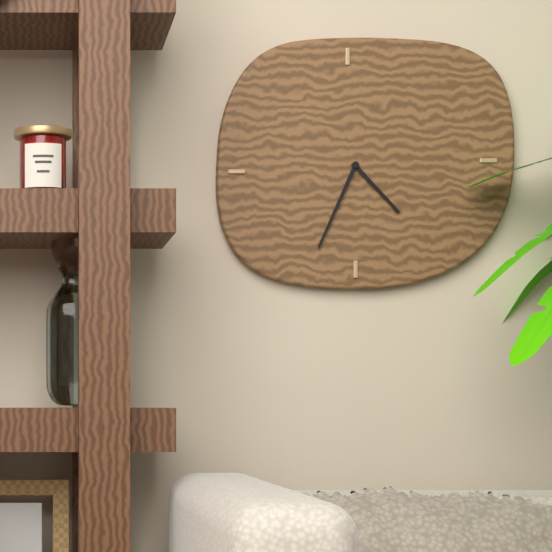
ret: {"hour": 4, "minute": 34}
